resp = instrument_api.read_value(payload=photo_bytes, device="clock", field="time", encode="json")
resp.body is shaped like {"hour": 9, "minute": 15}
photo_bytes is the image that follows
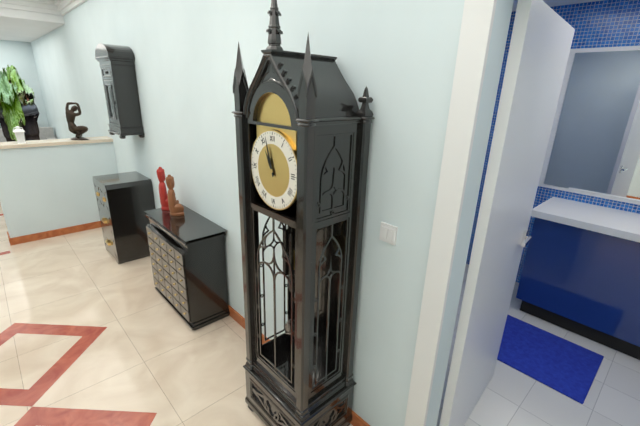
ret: {"hour": 10, "minute": 57}
